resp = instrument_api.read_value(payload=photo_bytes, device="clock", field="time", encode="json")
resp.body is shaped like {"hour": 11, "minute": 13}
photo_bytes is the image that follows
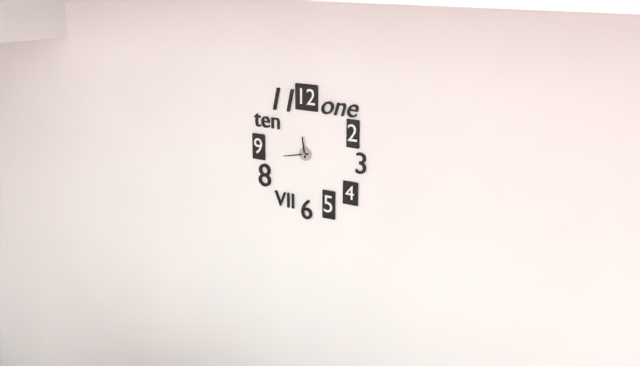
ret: {"hour": 11, "minute": 43}
